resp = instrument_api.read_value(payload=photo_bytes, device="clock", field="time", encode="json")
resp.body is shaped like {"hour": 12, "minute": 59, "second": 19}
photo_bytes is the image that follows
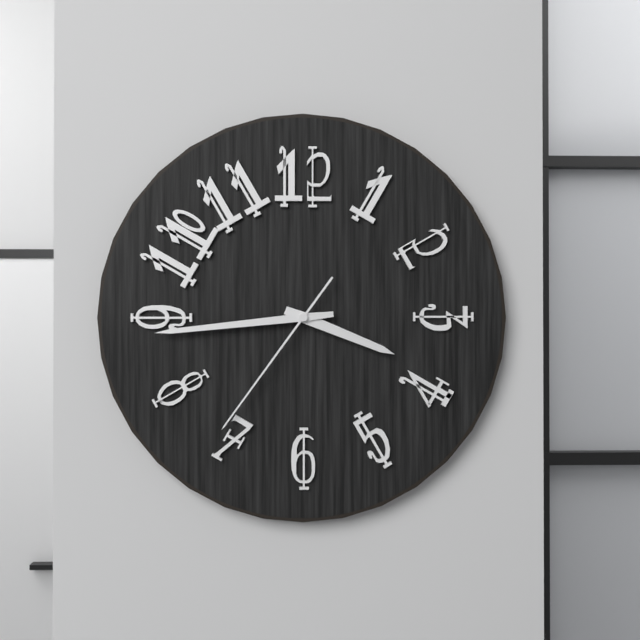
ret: {"hour": 3, "minute": 44, "second": 36}
